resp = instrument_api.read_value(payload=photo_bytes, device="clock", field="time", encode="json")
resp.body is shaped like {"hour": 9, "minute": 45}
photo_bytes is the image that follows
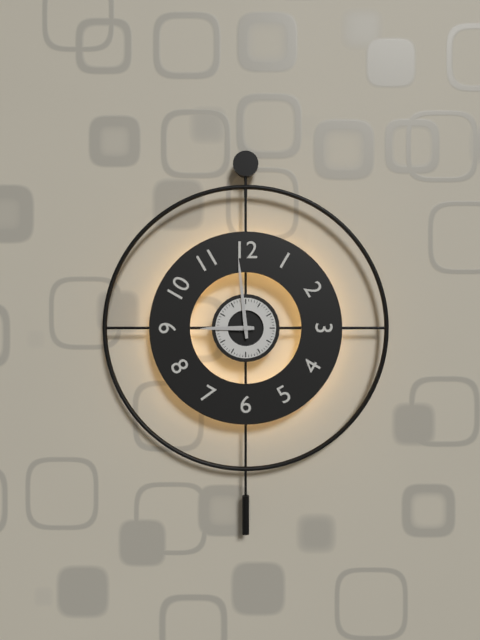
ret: {"hour": 8, "minute": 59}
